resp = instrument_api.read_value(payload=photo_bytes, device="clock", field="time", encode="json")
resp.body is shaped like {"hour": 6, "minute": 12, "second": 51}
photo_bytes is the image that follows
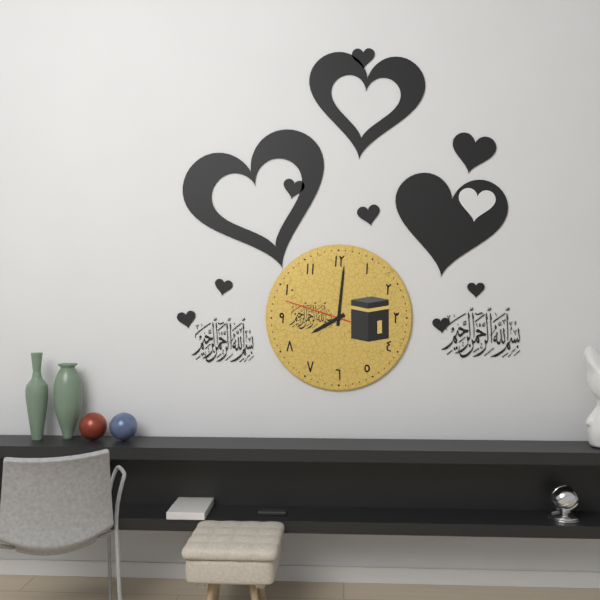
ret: {"hour": 8, "minute": 1, "second": 48}
